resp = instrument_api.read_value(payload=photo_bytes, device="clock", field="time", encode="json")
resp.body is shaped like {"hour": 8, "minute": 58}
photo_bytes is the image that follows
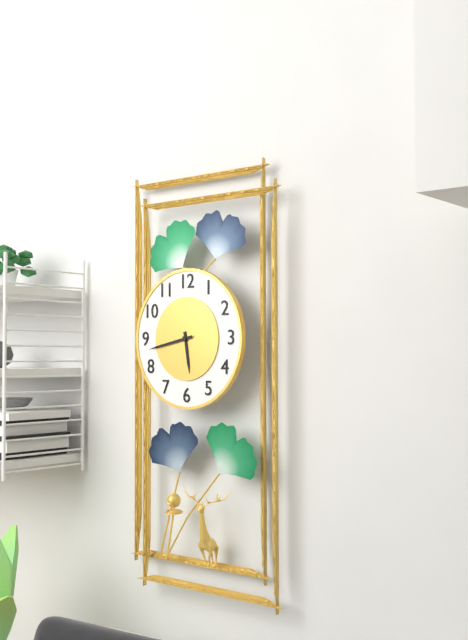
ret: {"hour": 5, "minute": 43}
